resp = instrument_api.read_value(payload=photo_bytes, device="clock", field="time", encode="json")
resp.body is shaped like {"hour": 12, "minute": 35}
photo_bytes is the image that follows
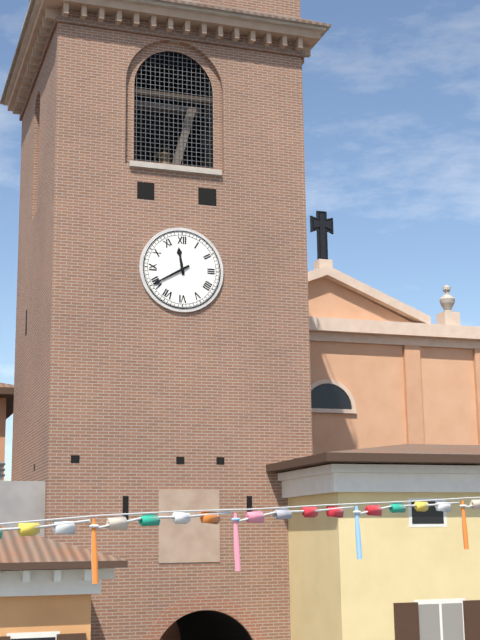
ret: {"hour": 11, "minute": 40}
